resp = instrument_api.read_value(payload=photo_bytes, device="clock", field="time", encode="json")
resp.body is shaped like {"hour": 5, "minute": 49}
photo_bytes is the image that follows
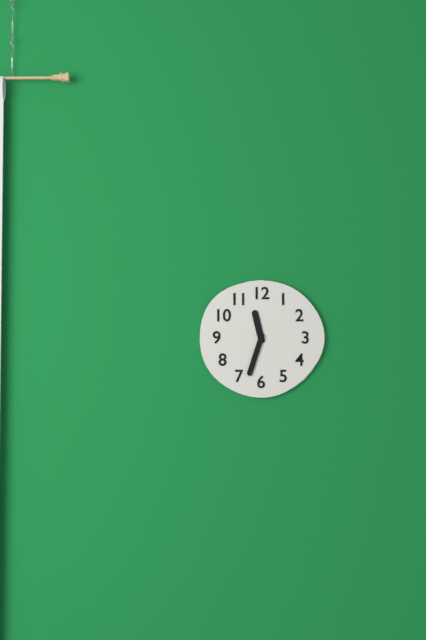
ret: {"hour": 11, "minute": 33}
